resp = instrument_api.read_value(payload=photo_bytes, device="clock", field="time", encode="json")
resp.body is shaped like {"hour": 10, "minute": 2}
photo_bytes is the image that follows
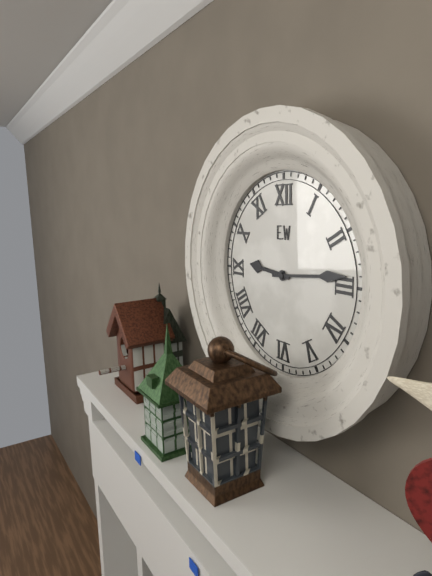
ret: {"hour": 9, "minute": 14}
